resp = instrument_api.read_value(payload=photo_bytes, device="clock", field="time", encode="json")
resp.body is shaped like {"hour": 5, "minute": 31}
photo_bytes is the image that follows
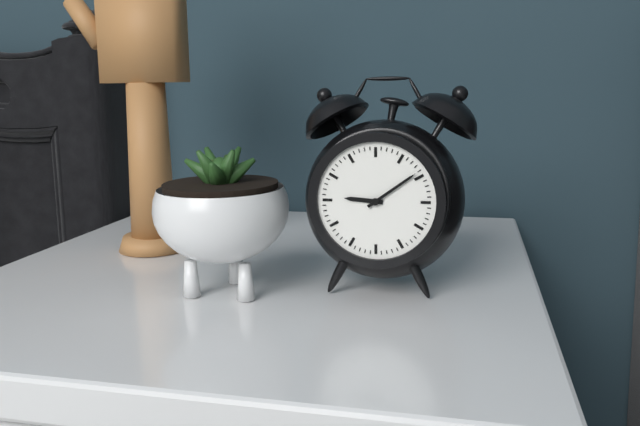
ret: {"hour": 9, "minute": 9}
